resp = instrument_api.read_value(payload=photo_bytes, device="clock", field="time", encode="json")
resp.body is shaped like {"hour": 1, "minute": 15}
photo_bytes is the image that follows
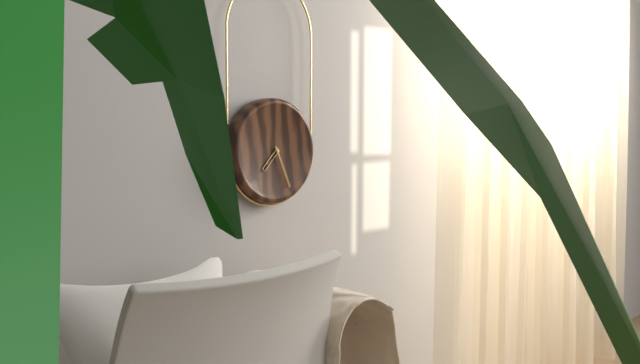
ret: {"hour": 7, "minute": 26}
